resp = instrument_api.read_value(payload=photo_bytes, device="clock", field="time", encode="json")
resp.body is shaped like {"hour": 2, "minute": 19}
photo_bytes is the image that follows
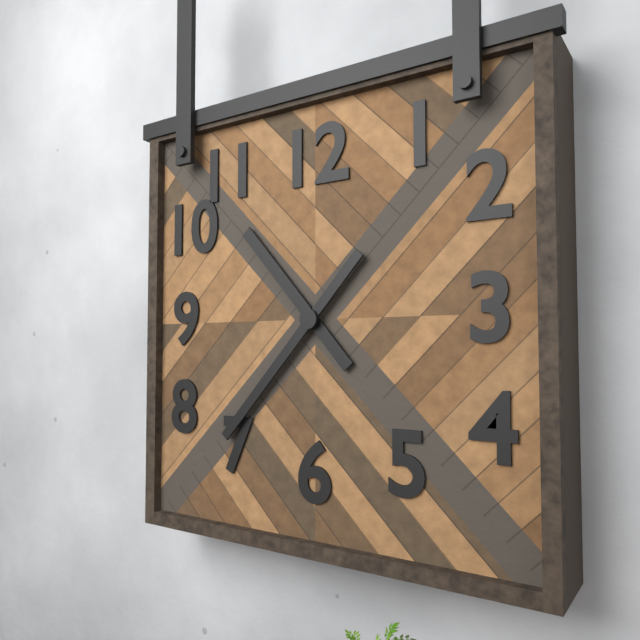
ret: {"hour": 10, "minute": 37}
